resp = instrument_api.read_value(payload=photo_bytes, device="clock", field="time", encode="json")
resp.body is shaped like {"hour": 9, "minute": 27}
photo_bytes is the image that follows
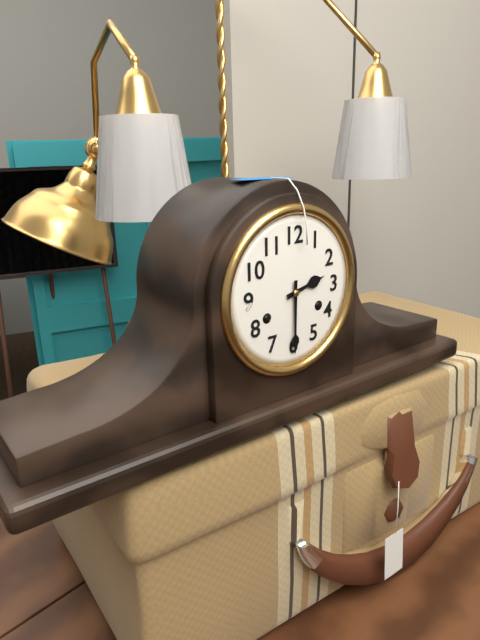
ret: {"hour": 2, "minute": 30}
